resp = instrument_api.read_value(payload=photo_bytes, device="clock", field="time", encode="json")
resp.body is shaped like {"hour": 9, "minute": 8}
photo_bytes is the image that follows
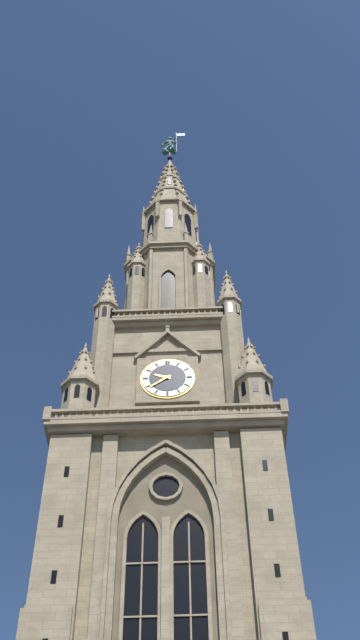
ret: {"hour": 9, "minute": 39}
